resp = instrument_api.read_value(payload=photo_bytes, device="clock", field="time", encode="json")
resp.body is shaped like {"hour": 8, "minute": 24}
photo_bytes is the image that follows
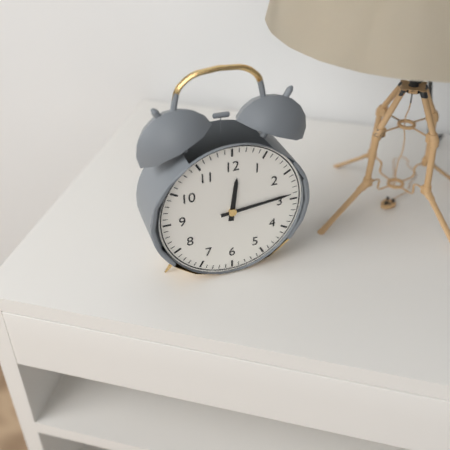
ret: {"hour": 12, "minute": 14}
